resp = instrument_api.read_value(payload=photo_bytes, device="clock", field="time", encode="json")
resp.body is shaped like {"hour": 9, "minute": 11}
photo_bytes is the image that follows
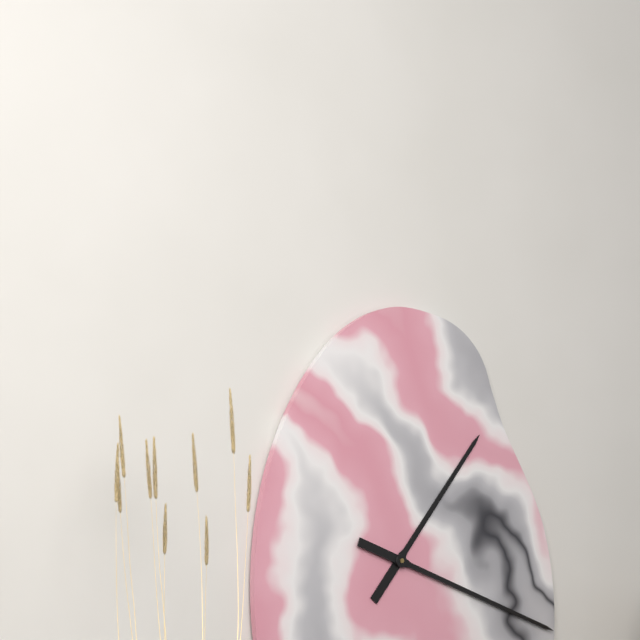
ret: {"hour": 1, "minute": 18}
